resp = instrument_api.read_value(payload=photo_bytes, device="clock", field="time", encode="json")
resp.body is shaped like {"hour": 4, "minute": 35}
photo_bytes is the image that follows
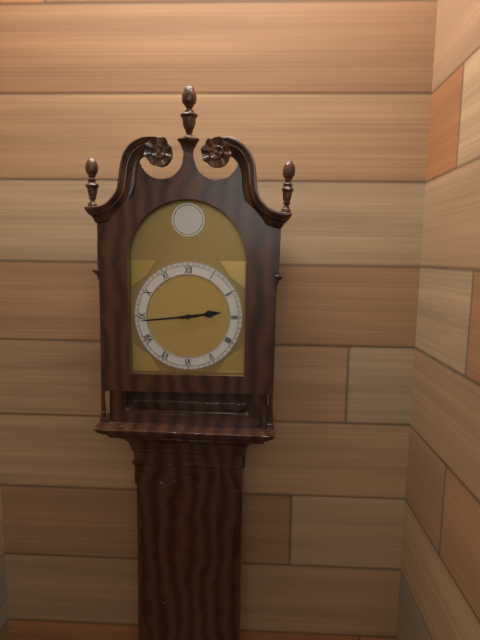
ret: {"hour": 2, "minute": 44}
